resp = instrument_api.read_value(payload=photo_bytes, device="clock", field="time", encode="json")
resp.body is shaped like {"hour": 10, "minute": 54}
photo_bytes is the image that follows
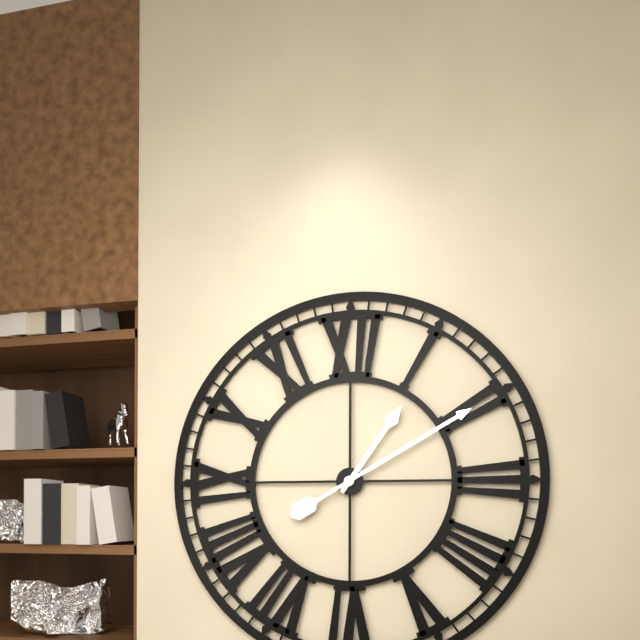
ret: {"hour": 1, "minute": 10}
